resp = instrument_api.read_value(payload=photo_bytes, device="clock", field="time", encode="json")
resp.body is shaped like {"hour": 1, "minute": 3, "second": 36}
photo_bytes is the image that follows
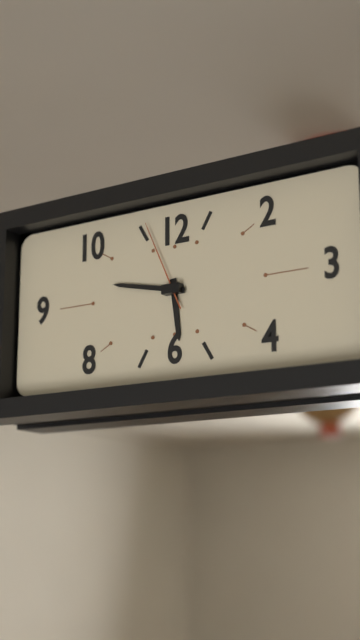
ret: {"hour": 5, "minute": 47, "second": 56}
